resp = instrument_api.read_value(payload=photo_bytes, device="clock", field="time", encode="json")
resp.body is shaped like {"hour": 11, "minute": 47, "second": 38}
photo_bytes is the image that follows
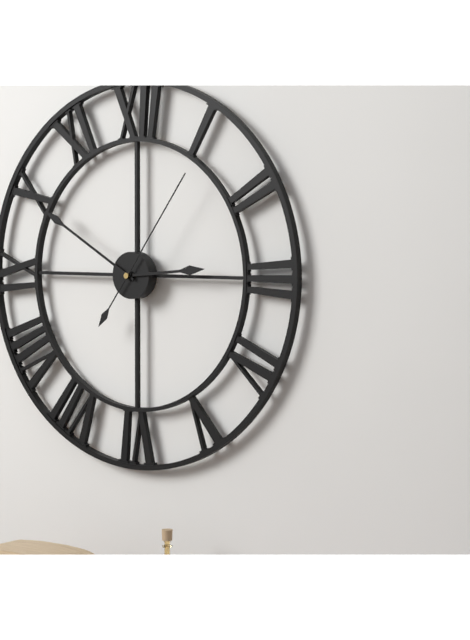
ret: {"hour": 2, "minute": 50, "second": 6}
